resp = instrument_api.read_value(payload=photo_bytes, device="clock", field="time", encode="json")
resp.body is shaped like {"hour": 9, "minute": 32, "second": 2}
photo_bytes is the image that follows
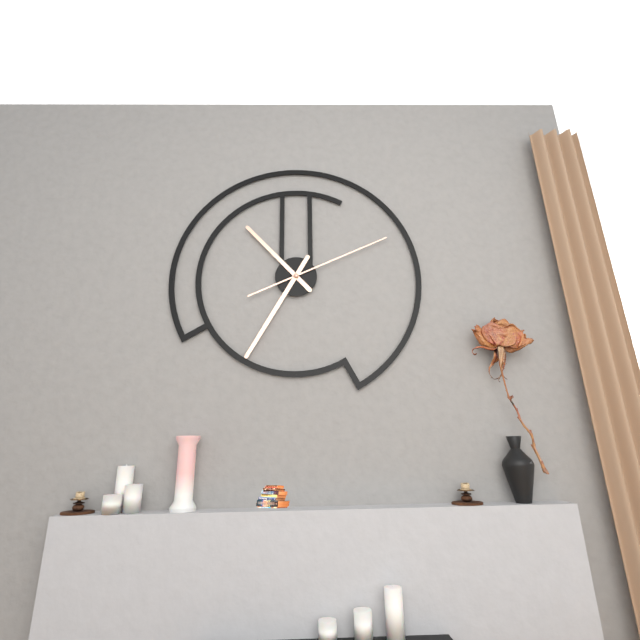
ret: {"hour": 10, "minute": 35, "second": 11}
